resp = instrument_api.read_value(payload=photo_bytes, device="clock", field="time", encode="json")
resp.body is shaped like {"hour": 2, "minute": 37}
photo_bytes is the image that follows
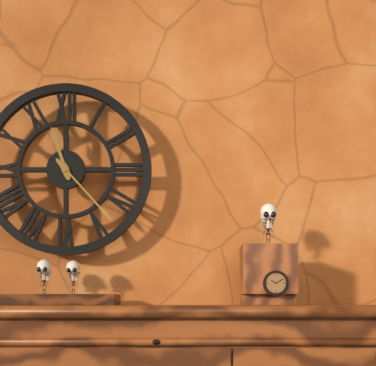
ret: {"hour": 11, "minute": 23}
